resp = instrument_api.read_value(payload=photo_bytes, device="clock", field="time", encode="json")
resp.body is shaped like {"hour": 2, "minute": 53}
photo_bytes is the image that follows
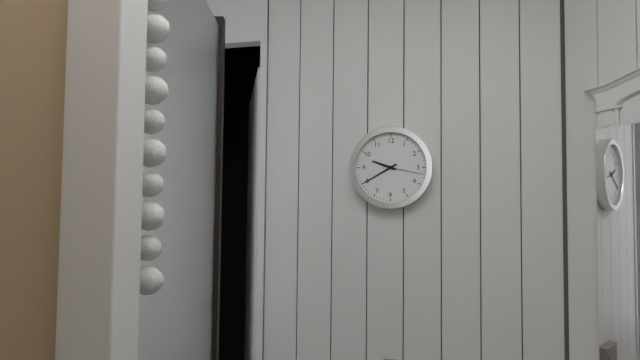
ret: {"hour": 9, "minute": 40}
